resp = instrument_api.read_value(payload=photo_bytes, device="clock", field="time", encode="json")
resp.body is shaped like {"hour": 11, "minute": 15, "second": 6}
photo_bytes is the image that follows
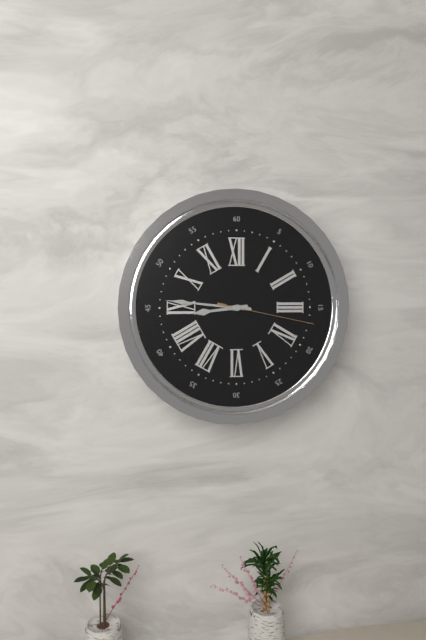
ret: {"hour": 8, "minute": 46, "second": 17}
